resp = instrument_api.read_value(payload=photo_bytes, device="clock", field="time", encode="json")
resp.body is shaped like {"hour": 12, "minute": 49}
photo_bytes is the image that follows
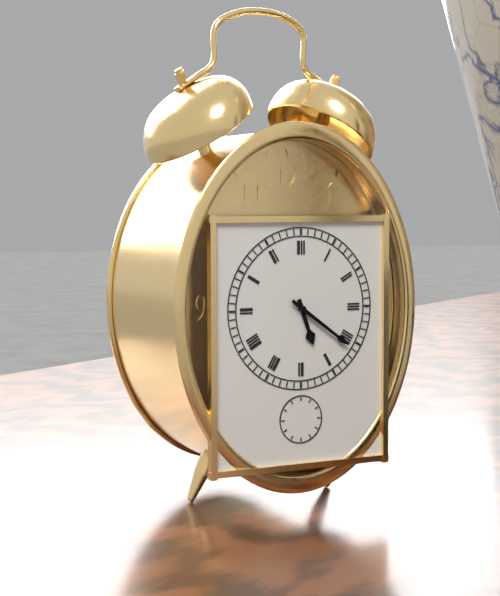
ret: {"hour": 5, "minute": 21}
